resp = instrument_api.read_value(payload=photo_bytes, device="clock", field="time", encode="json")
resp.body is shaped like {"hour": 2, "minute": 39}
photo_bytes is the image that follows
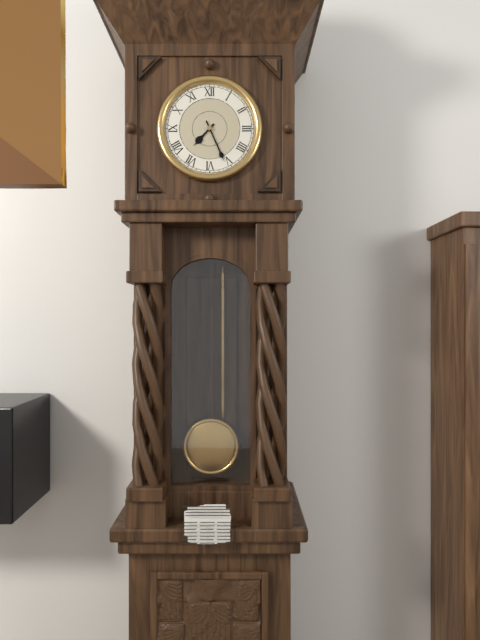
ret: {"hour": 7, "minute": 26}
